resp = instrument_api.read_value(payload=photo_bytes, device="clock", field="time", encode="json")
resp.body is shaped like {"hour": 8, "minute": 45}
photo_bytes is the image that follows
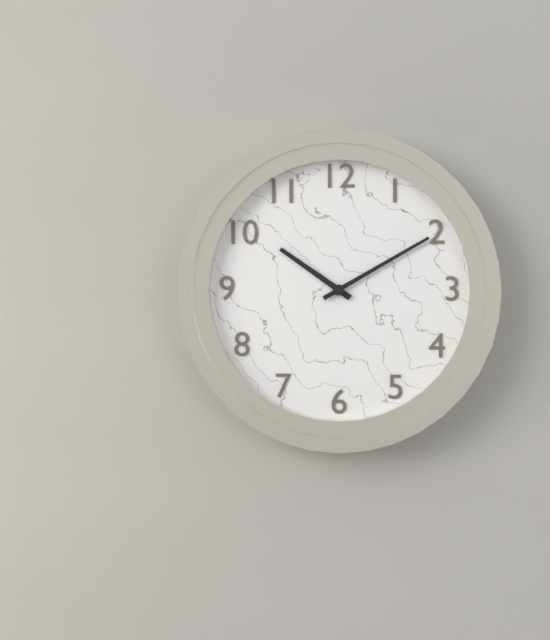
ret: {"hour": 10, "minute": 10}
